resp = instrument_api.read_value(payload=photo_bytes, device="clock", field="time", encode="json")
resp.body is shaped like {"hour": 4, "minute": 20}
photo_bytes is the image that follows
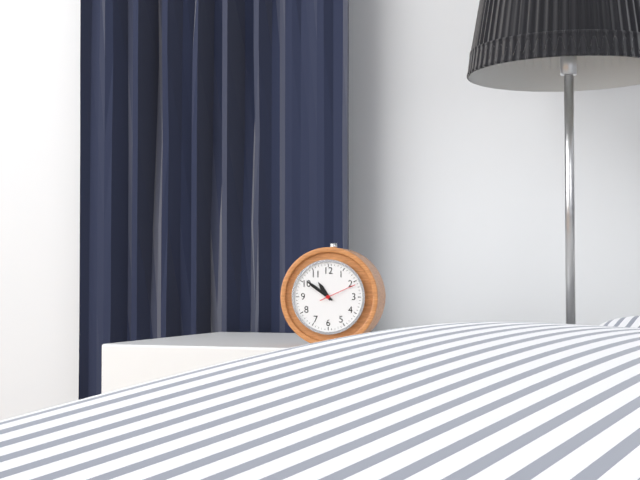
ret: {"hour": 10, "minute": 51}
